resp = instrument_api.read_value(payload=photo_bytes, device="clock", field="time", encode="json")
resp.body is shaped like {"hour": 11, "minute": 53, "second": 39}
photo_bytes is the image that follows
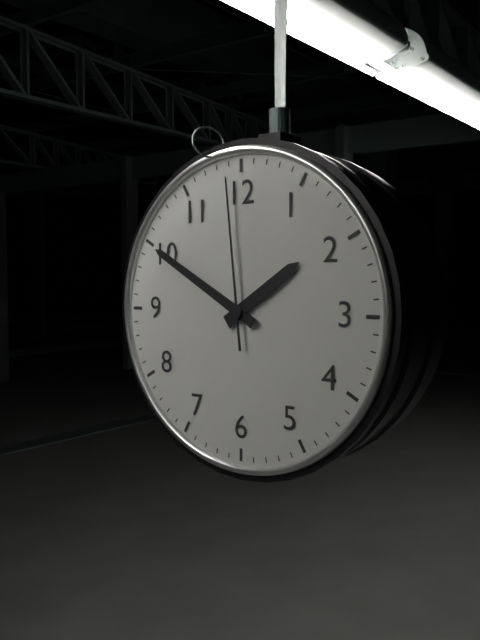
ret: {"hour": 1, "minute": 50, "second": 59}
